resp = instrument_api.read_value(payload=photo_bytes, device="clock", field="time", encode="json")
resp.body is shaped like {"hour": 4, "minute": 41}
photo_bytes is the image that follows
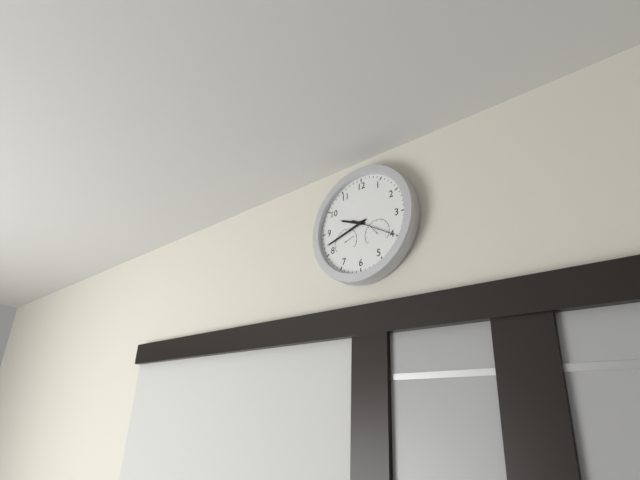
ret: {"hour": 9, "minute": 42}
